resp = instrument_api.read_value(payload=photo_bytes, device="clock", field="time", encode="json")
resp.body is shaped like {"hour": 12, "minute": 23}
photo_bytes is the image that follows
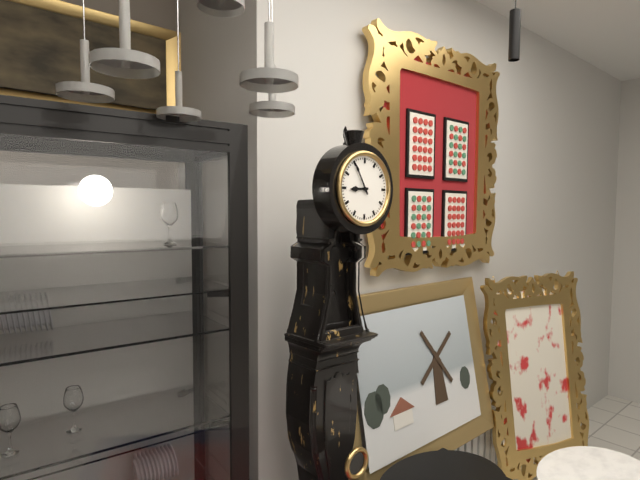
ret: {"hour": 8, "minute": 55}
